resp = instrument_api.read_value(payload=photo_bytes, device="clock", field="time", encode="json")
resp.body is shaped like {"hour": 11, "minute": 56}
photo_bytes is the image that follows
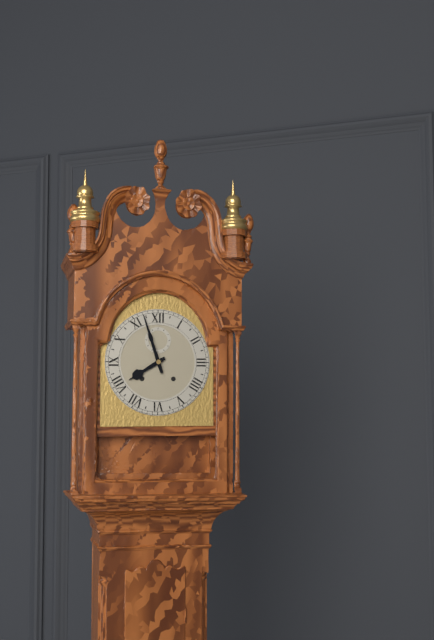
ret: {"hour": 7, "minute": 57}
